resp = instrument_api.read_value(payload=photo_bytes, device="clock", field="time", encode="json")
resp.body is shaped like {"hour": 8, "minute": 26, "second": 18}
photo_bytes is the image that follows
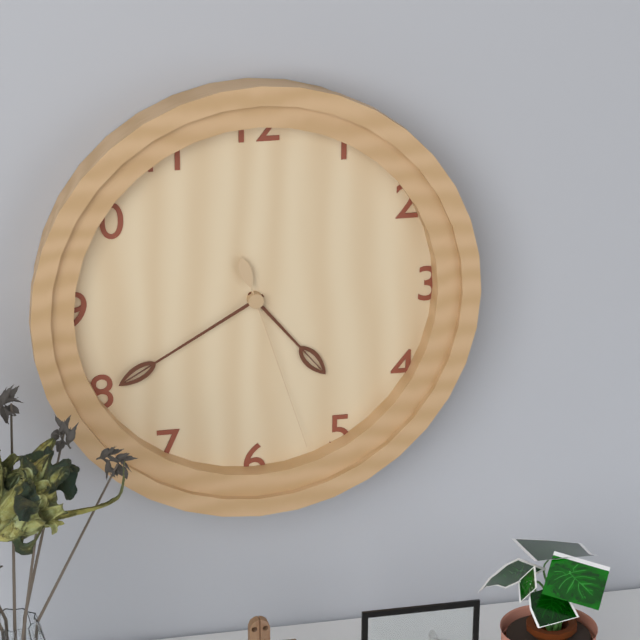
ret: {"hour": 4, "minute": 40, "second": 27}
